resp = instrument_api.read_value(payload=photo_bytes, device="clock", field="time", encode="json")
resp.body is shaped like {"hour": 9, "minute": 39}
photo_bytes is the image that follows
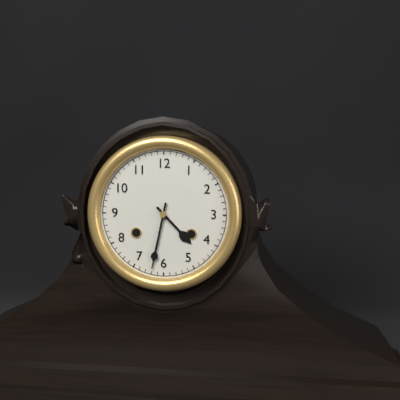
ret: {"hour": 4, "minute": 32}
